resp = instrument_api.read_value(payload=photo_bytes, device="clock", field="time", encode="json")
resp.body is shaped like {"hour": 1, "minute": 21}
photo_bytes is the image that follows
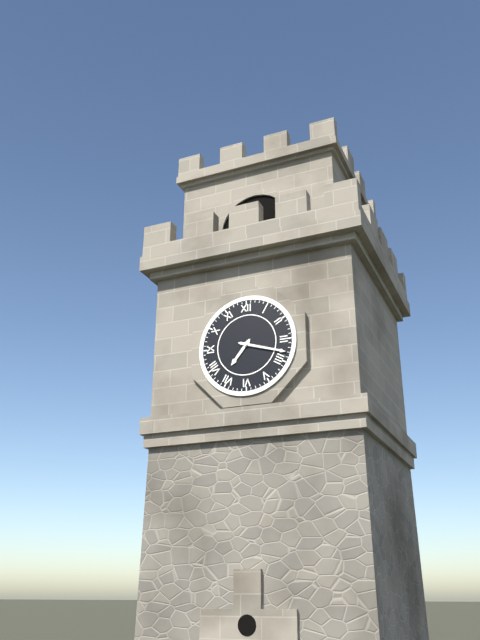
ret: {"hour": 7, "minute": 18}
